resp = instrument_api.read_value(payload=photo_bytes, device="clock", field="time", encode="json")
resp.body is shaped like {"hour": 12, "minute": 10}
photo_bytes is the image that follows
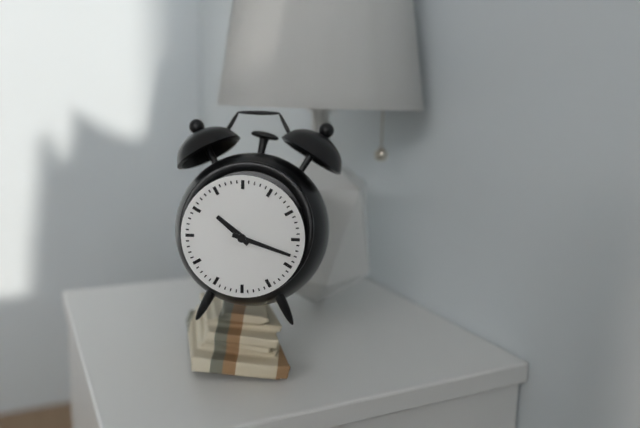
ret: {"hour": 10, "minute": 18}
